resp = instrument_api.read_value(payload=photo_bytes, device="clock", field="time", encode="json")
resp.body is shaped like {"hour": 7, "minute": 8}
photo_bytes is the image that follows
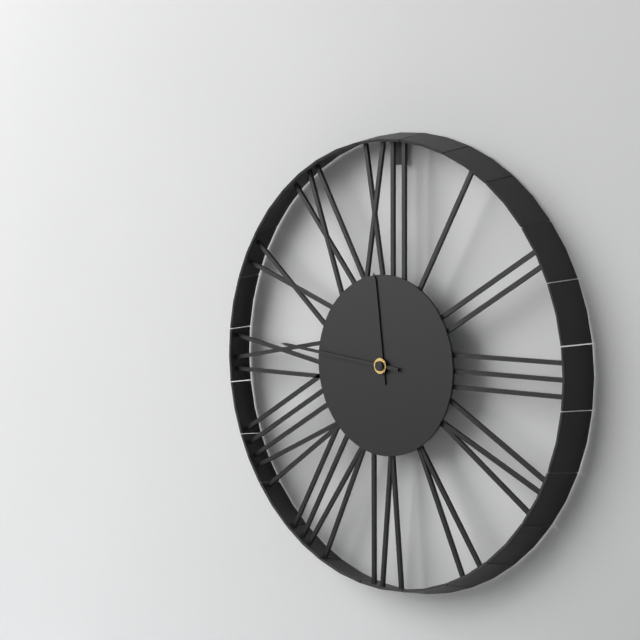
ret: {"hour": 11, "minute": 46}
